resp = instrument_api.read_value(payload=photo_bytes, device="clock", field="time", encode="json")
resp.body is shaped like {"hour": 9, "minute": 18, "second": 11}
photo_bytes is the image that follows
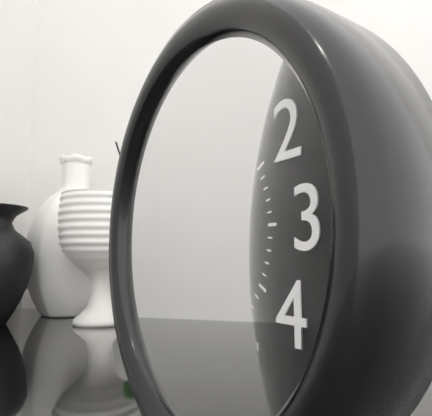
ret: {"hour": 6, "minute": 36, "second": 1}
